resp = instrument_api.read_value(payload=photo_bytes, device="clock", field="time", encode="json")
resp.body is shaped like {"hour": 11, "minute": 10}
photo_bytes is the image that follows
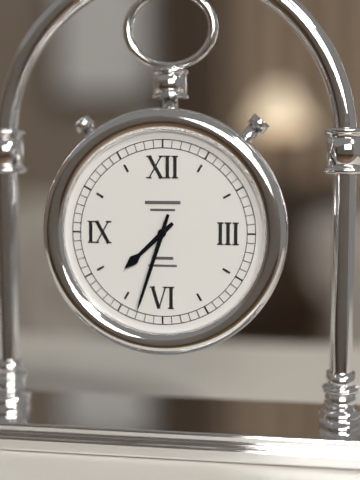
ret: {"hour": 7, "minute": 33}
